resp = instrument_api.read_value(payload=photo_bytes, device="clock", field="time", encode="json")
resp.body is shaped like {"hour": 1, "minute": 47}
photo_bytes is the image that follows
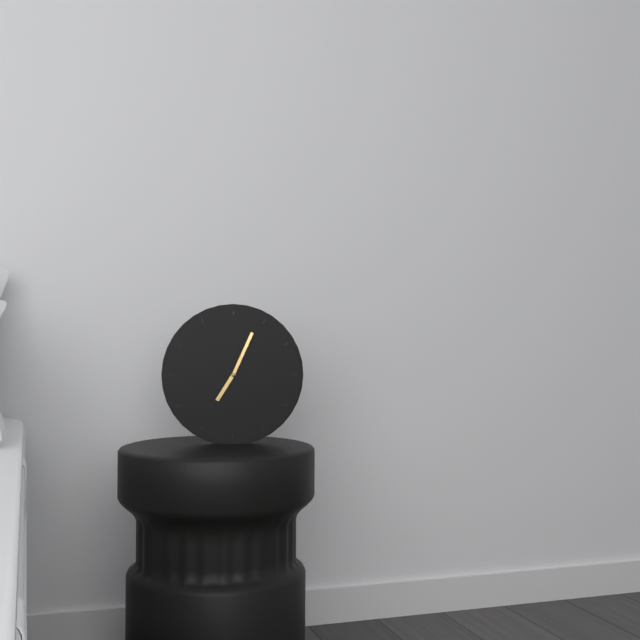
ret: {"hour": 7, "minute": 4}
